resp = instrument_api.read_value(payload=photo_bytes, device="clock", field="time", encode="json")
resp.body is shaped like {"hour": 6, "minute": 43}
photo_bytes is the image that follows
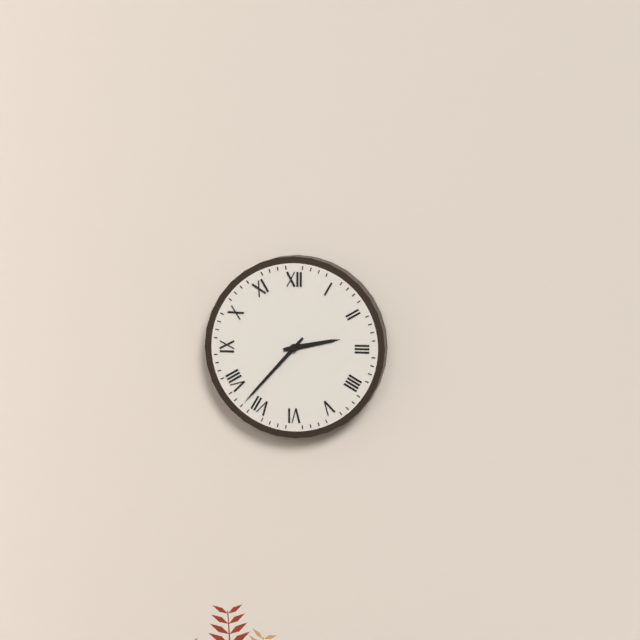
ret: {"hour": 2, "minute": 37}
